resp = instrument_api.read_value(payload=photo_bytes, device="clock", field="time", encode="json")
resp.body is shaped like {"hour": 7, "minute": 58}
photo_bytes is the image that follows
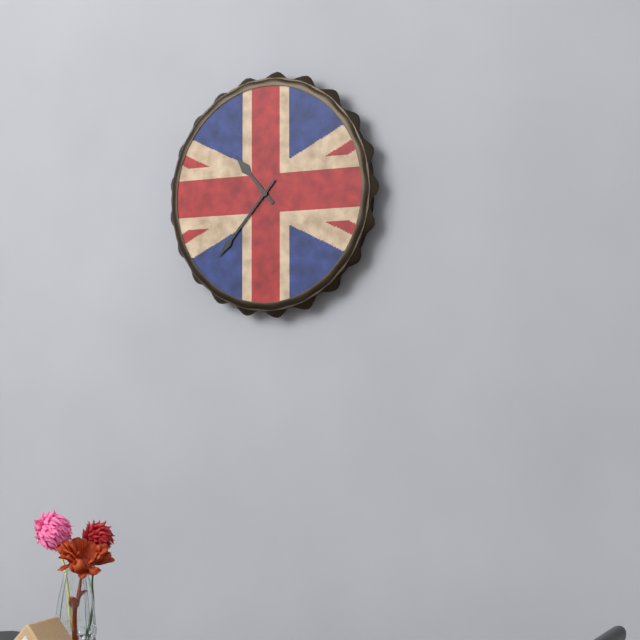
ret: {"hour": 10, "minute": 37}
